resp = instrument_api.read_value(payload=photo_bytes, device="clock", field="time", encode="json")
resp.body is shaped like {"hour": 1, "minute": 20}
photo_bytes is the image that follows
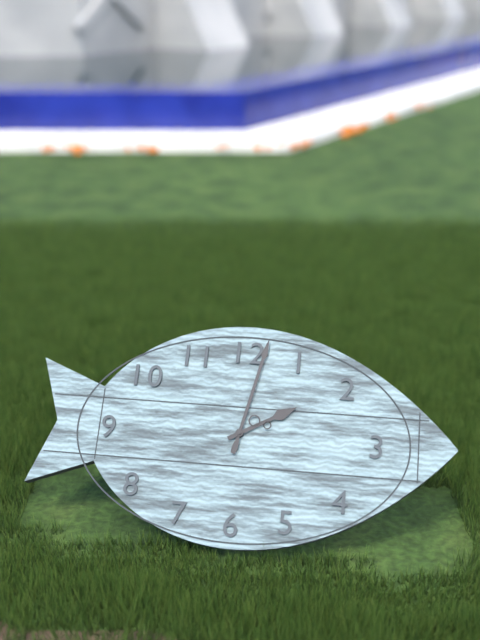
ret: {"hour": 2, "minute": 2}
